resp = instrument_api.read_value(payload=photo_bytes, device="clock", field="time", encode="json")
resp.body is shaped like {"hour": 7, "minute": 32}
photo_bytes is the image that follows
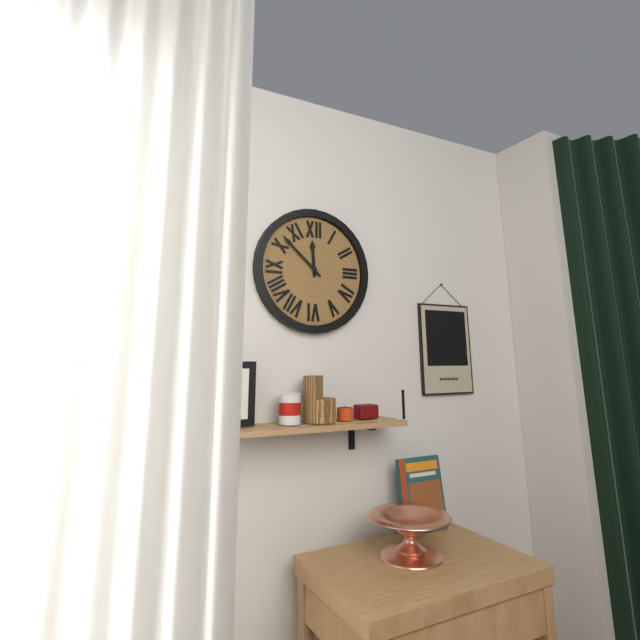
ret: {"hour": 11, "minute": 52}
